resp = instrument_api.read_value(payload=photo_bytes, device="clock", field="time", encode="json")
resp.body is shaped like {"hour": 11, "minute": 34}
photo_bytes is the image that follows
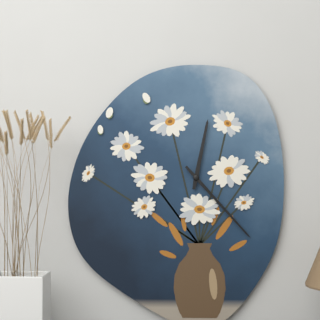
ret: {"hour": 12, "minute": 23}
